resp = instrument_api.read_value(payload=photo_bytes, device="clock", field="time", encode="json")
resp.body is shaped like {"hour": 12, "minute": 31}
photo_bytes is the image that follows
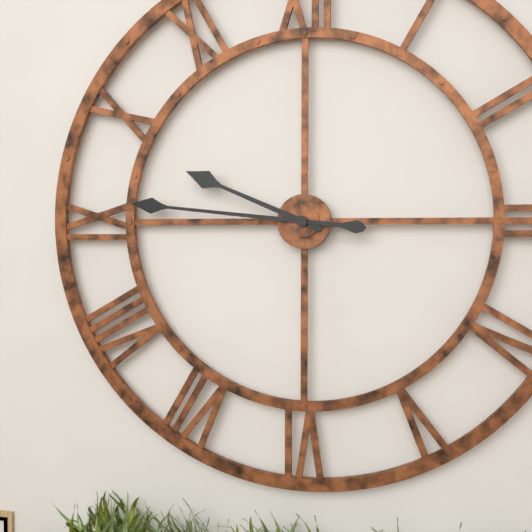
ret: {"hour": 9, "minute": 46}
